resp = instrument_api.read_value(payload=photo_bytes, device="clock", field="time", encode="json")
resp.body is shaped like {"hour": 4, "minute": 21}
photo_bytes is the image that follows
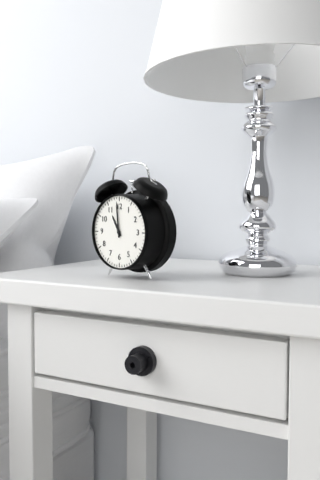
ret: {"hour": 10, "minute": 59}
